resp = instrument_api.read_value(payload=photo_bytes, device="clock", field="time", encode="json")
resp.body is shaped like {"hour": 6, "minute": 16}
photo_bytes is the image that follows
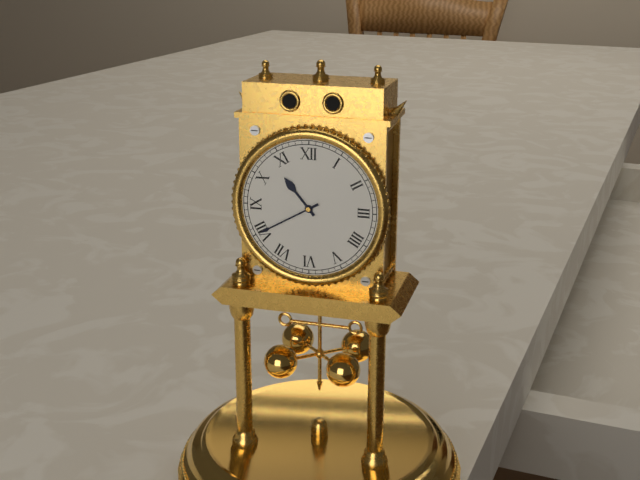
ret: {"hour": 10, "minute": 40}
